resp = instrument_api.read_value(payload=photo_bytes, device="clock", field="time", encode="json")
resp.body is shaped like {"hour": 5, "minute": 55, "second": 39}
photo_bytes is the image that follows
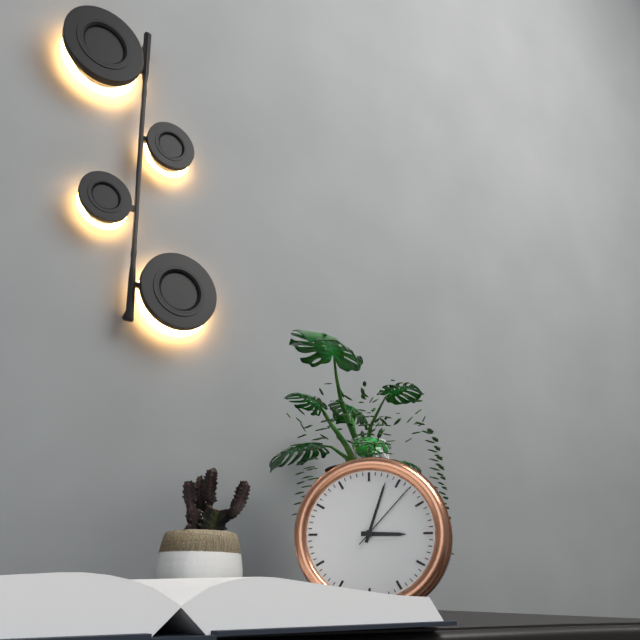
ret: {"hour": 3, "minute": 3, "second": 7}
